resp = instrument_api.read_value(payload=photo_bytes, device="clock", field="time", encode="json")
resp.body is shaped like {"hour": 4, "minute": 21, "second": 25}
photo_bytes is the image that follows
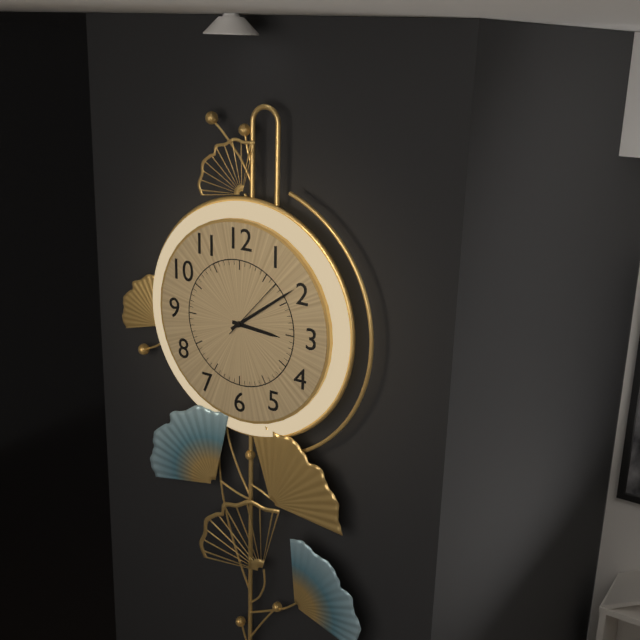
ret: {"hour": 3, "minute": 9, "second": 7}
